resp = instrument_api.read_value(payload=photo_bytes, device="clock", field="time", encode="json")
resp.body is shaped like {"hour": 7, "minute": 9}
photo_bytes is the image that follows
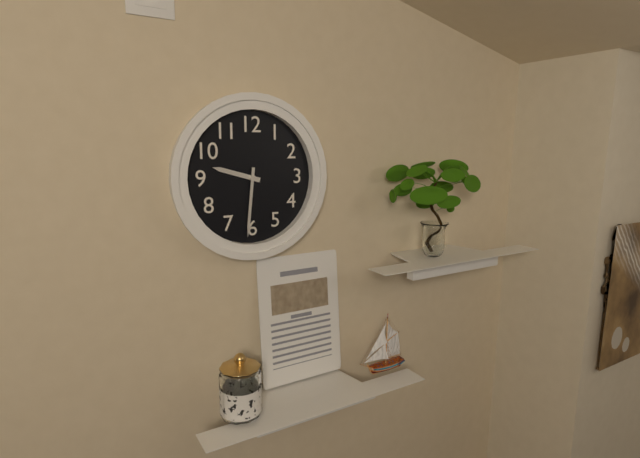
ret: {"hour": 9, "minute": 31}
